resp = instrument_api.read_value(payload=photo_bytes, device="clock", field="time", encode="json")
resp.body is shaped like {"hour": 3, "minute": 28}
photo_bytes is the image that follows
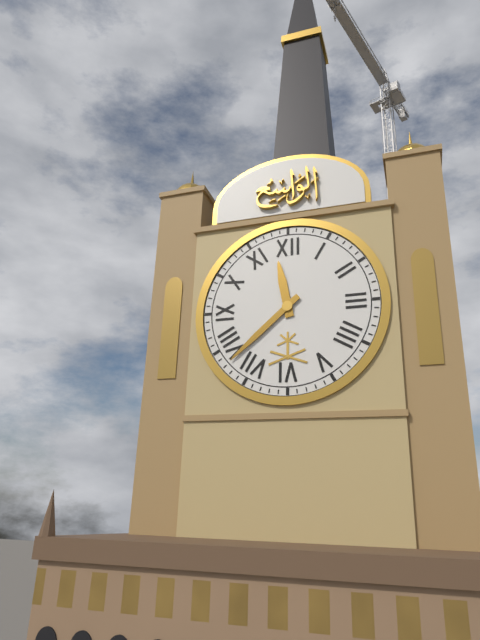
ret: {"hour": 11, "minute": 38}
